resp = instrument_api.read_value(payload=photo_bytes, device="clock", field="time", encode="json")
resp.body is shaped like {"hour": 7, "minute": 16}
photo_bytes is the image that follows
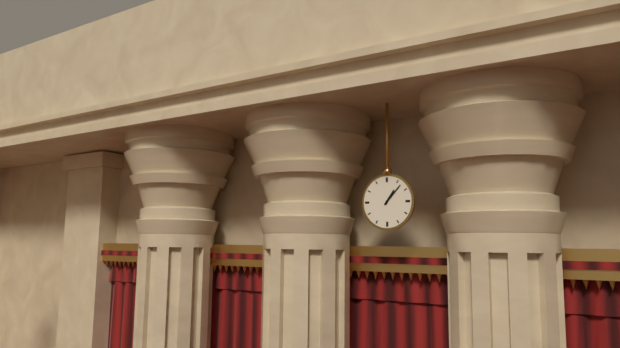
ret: {"hour": 1, "minute": 7}
